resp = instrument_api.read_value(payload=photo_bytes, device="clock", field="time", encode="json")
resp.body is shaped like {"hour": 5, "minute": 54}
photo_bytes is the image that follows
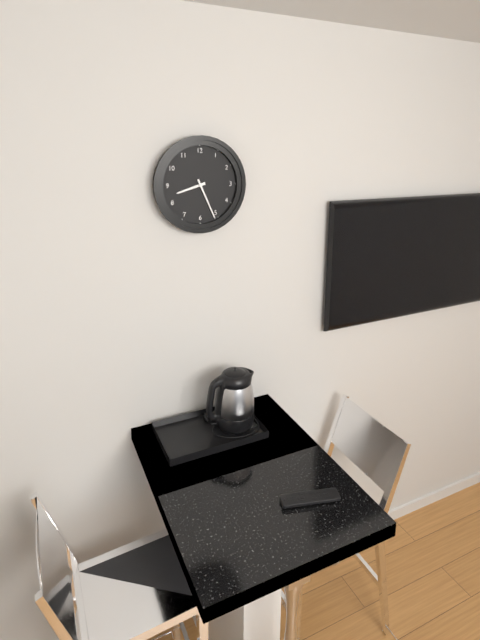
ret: {"hour": 8, "minute": 26}
